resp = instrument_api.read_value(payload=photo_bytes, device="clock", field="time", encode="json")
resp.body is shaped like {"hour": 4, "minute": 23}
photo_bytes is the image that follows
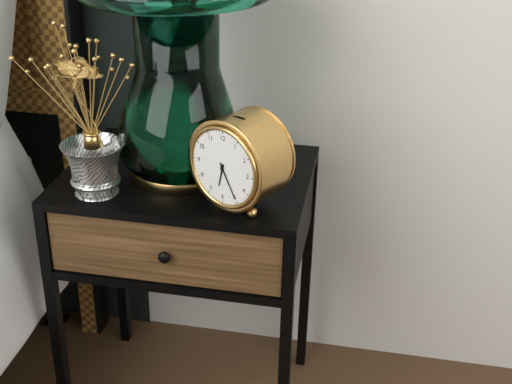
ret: {"hour": 6, "minute": 25}
